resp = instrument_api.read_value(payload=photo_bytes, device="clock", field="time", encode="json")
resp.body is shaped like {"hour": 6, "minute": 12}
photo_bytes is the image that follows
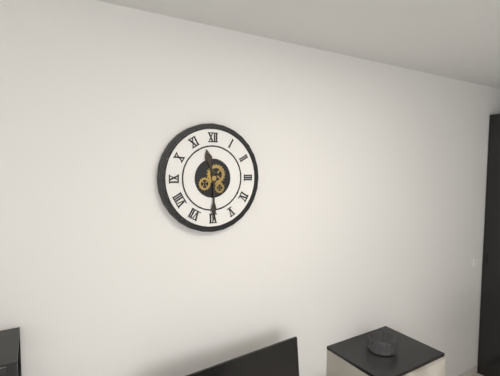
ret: {"hour": 11, "minute": 30}
